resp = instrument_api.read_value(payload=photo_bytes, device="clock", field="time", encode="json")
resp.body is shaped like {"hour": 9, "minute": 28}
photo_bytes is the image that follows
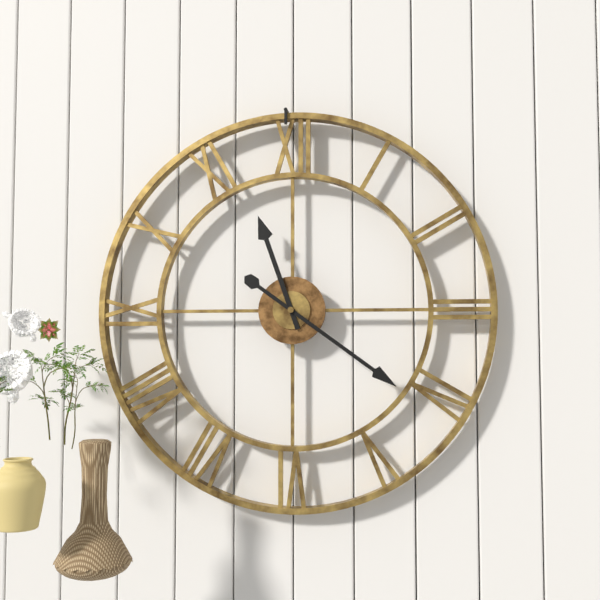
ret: {"hour": 11, "minute": 21}
